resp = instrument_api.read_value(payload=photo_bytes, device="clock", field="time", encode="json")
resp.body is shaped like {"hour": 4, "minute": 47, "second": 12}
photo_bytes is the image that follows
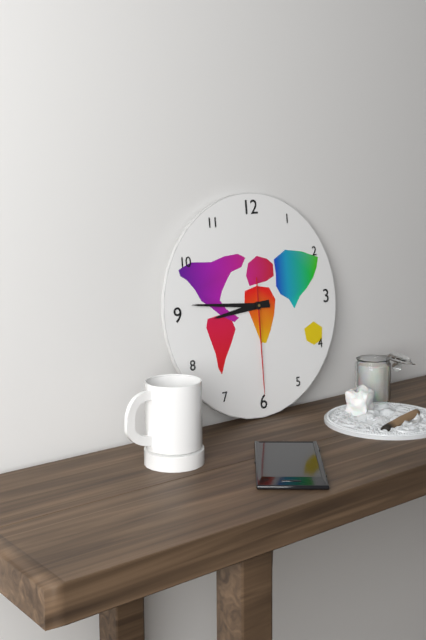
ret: {"hour": 8, "minute": 46, "second": 30}
